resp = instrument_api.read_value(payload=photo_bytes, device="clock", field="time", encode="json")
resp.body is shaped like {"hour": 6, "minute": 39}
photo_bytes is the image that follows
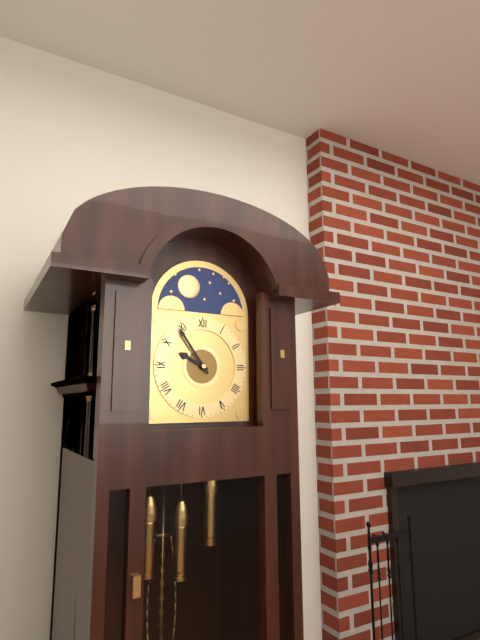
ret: {"hour": 9, "minute": 54}
